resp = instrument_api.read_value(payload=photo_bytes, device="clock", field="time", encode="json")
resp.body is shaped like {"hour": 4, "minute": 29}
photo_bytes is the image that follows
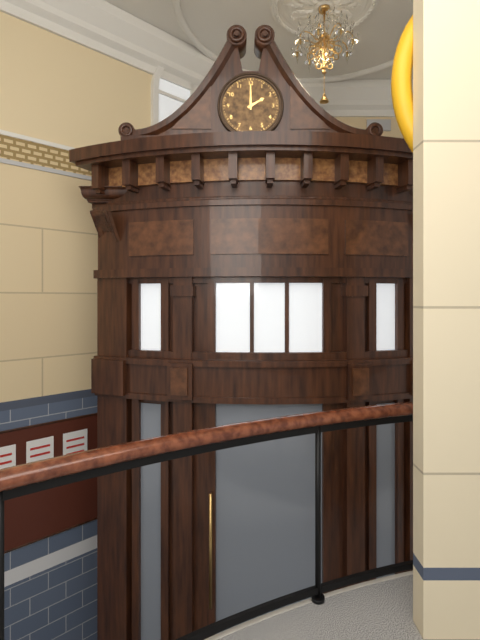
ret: {"hour": 2, "minute": 0}
